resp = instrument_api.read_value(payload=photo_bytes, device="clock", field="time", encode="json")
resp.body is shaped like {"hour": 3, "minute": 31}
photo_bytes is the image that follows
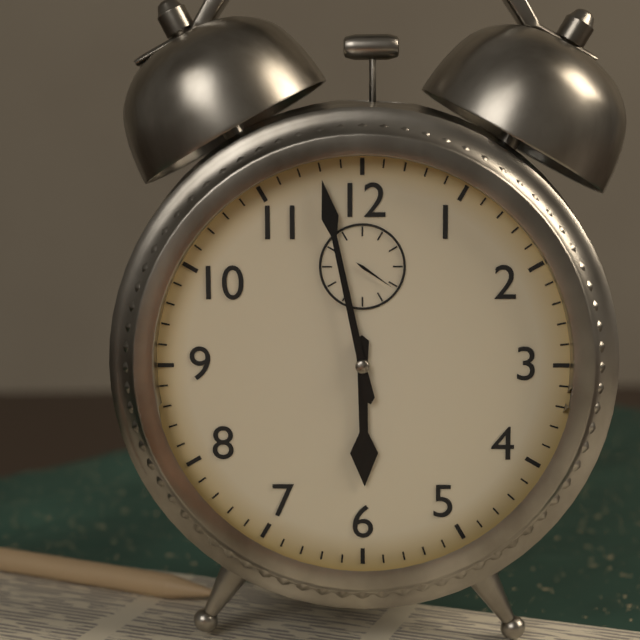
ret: {"hour": 5, "minute": 58}
